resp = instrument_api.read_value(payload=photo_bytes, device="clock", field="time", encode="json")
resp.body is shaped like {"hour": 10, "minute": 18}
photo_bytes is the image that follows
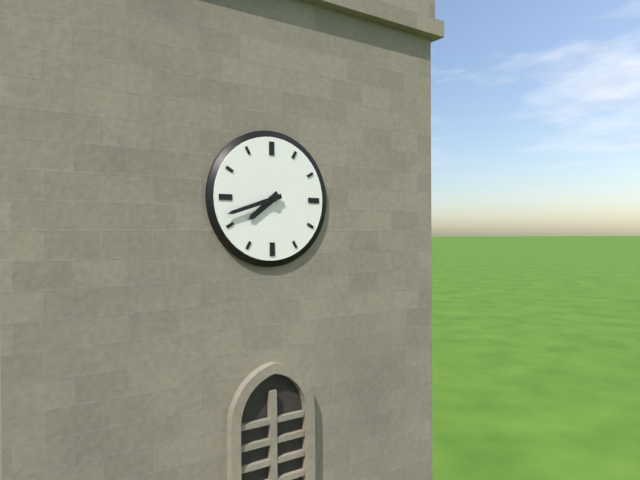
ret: {"hour": 7, "minute": 42}
